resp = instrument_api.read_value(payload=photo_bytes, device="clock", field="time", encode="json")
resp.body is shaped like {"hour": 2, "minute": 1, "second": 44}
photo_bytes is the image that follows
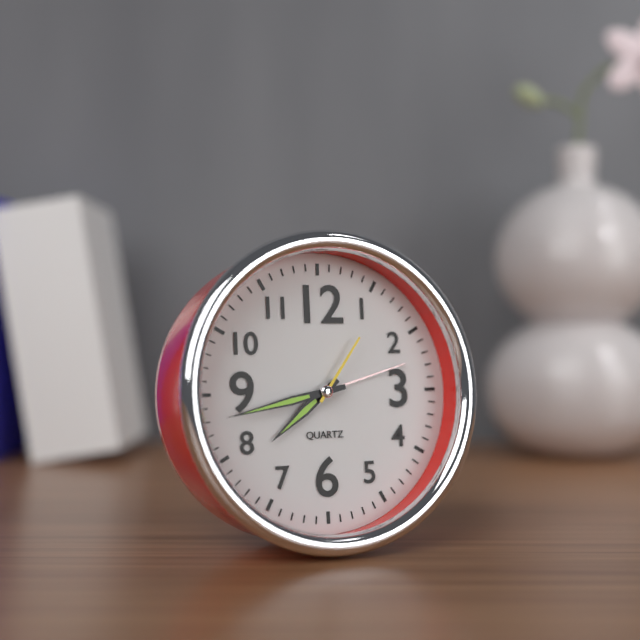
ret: {"hour": 7, "minute": 43, "second": 6}
